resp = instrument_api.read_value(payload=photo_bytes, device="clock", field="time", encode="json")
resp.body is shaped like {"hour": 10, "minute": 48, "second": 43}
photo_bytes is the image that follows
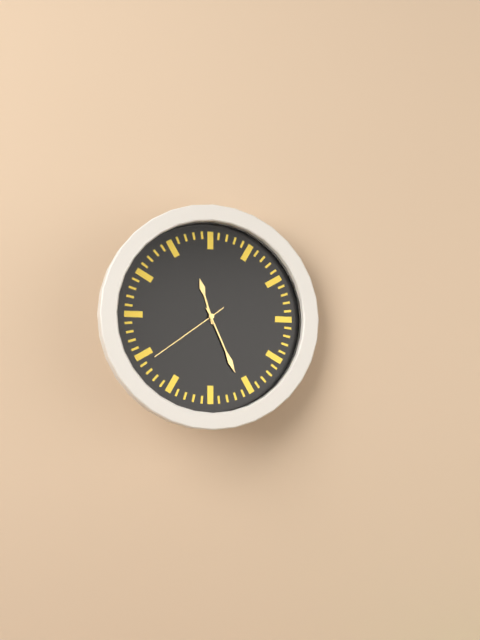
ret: {"hour": 11, "minute": 26, "second": 39}
